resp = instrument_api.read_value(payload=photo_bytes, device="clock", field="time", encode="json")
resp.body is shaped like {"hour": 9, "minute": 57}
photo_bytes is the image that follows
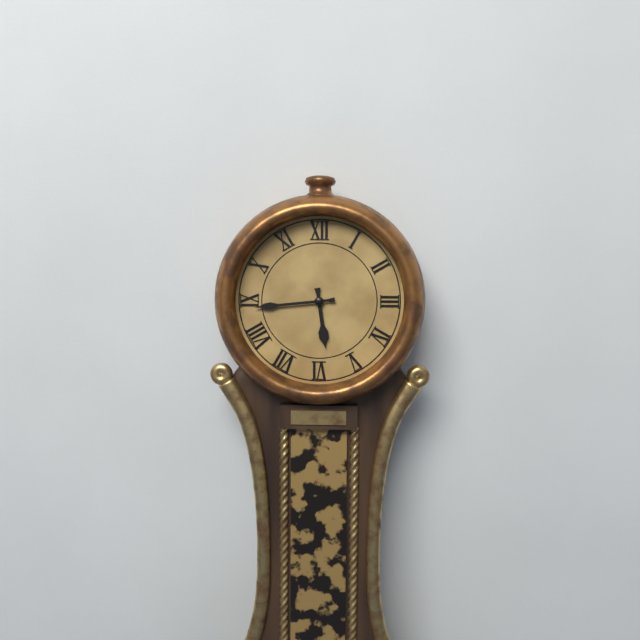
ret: {"hour": 5, "minute": 44}
